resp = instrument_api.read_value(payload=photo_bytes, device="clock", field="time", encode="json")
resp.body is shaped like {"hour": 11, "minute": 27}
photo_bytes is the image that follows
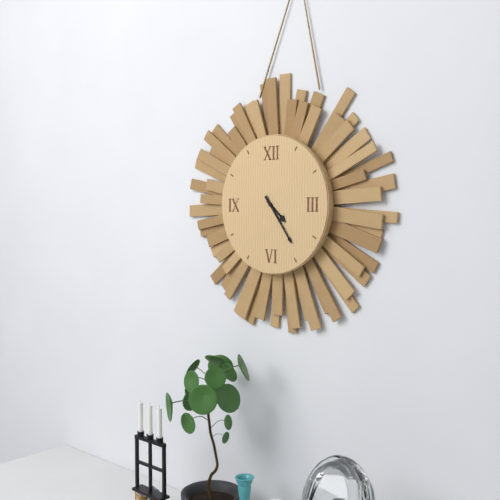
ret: {"hour": 4, "minute": 24}
